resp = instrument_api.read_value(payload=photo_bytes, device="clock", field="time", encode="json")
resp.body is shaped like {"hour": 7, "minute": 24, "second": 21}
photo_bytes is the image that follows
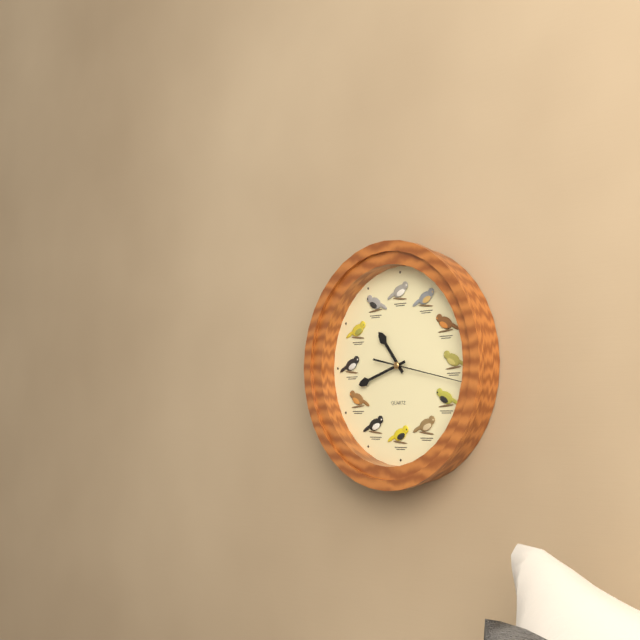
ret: {"hour": 10, "minute": 42, "second": 17}
